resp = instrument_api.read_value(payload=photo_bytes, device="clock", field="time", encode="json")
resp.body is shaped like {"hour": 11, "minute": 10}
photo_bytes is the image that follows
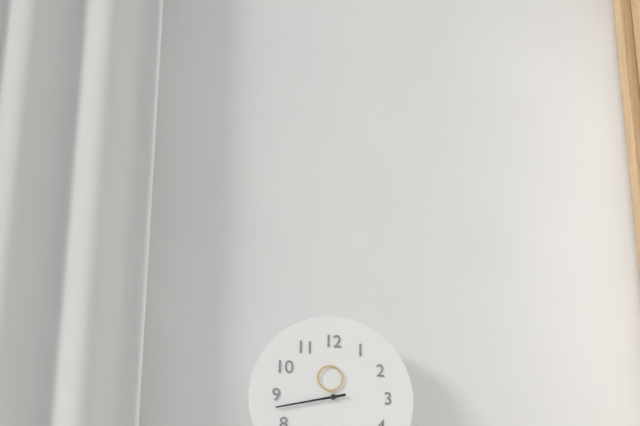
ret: {"hour": 11, "minute": 43}
